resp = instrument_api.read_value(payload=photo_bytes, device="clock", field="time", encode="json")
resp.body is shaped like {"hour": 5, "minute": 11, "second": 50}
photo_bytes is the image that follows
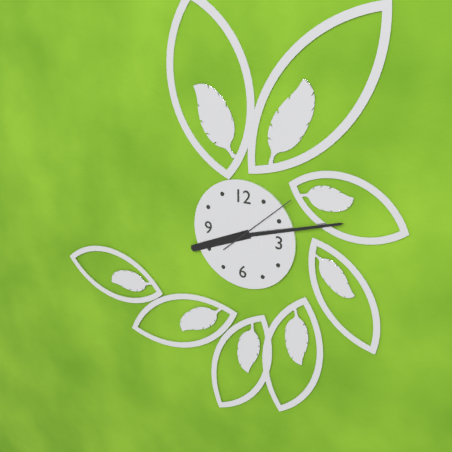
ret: {"hour": 8, "minute": 12, "second": 8}
